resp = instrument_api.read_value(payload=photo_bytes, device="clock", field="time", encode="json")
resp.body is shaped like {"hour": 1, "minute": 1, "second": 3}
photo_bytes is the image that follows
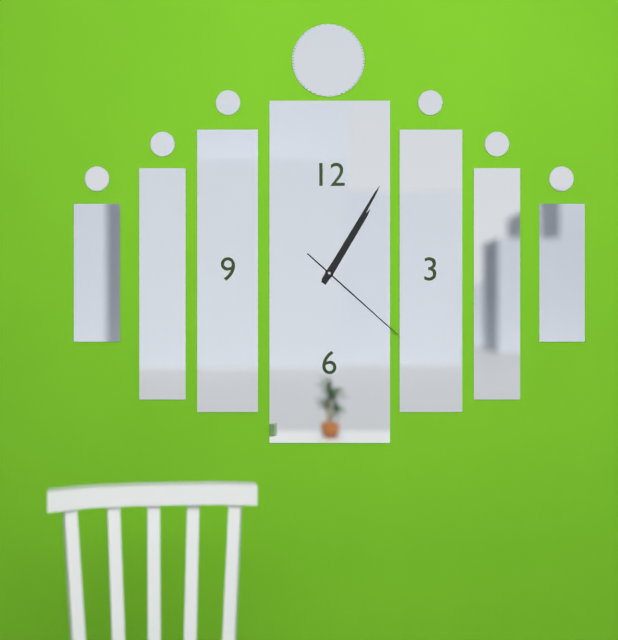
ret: {"hour": 1, "minute": 5, "second": 22}
